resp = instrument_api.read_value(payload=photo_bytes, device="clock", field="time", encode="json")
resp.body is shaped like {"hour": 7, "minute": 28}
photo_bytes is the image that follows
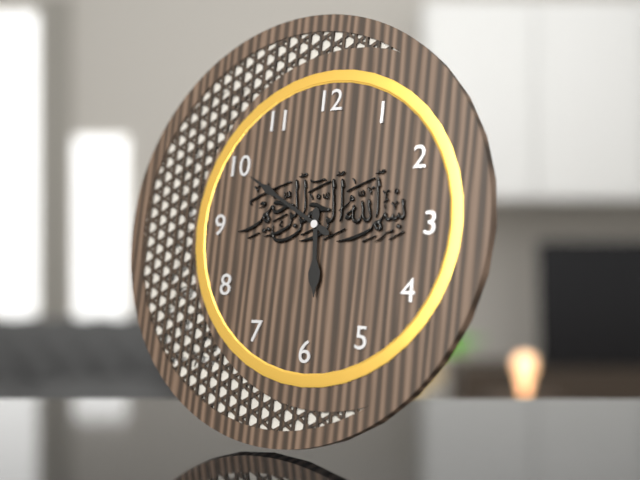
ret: {"hour": 5, "minute": 50}
